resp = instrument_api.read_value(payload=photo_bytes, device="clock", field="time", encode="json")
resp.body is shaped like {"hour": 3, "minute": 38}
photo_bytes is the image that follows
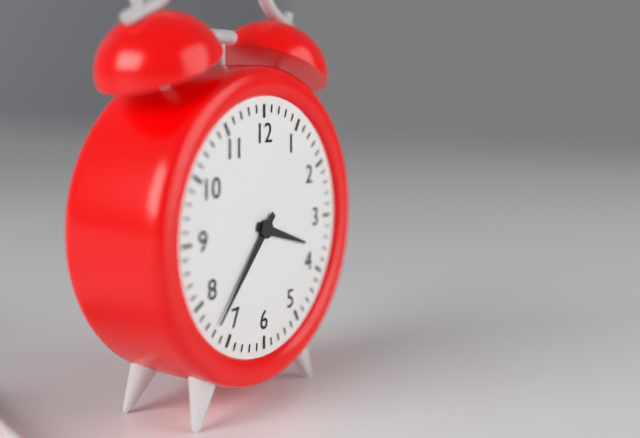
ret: {"hour": 3, "minute": 37}
